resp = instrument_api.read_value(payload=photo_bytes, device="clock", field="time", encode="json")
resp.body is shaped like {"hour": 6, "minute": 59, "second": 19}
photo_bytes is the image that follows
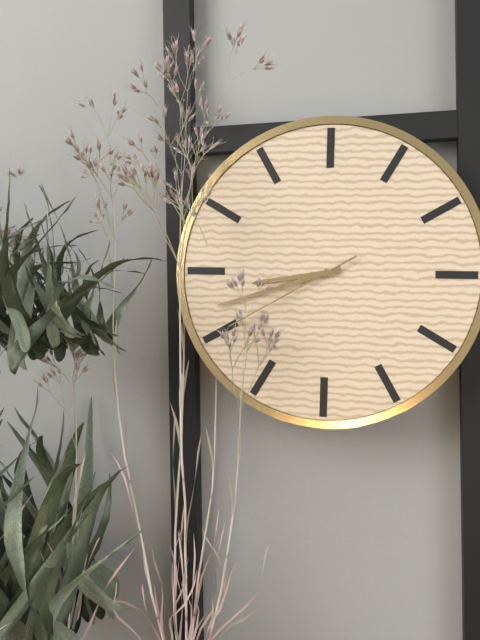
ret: {"hour": 8, "minute": 42, "second": 40}
